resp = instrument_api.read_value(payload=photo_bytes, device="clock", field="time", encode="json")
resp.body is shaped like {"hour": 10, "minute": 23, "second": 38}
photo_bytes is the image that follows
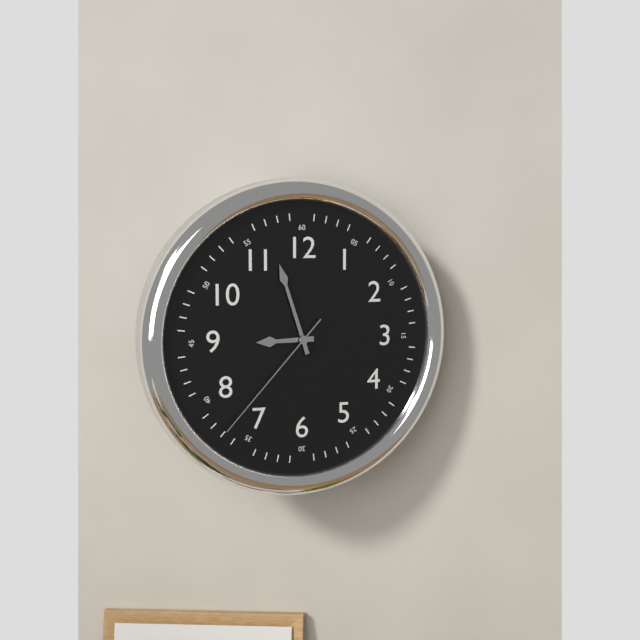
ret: {"hour": 8, "minute": 57, "second": 37}
